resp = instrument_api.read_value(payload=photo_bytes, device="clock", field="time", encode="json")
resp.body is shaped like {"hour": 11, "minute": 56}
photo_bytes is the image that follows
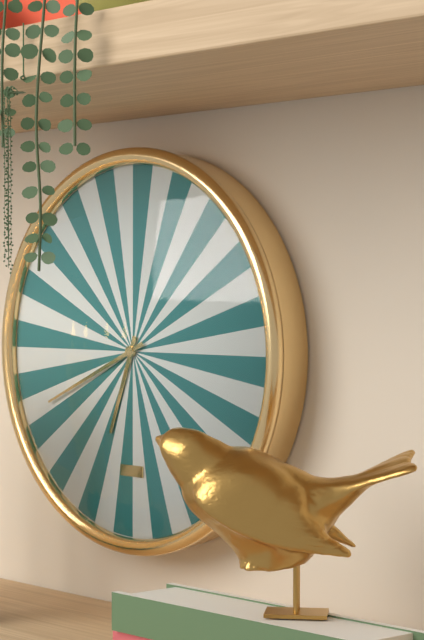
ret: {"hour": 6, "minute": 41}
